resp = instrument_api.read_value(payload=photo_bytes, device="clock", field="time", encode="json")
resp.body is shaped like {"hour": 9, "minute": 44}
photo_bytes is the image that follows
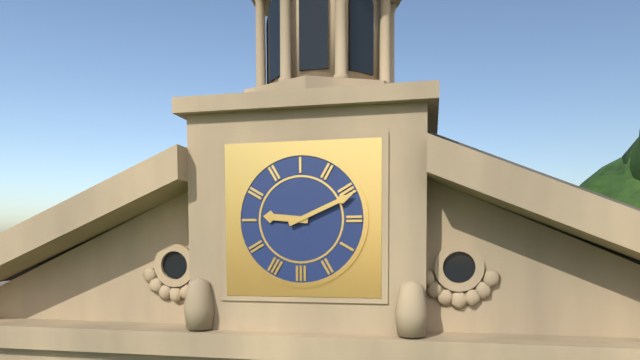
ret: {"hour": 9, "minute": 11}
